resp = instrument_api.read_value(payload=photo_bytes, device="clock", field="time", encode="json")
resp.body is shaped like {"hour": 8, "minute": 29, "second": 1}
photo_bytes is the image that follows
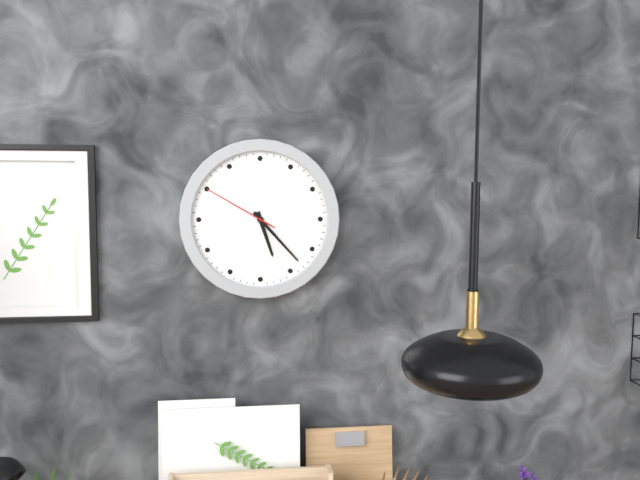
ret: {"hour": 5, "minute": 23, "second": 50}
